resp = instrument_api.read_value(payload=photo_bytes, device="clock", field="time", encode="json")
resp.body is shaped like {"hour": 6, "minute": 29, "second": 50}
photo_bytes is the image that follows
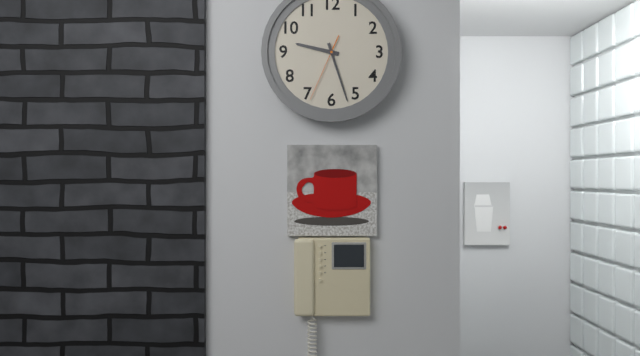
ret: {"hour": 9, "minute": 27, "second": 34}
